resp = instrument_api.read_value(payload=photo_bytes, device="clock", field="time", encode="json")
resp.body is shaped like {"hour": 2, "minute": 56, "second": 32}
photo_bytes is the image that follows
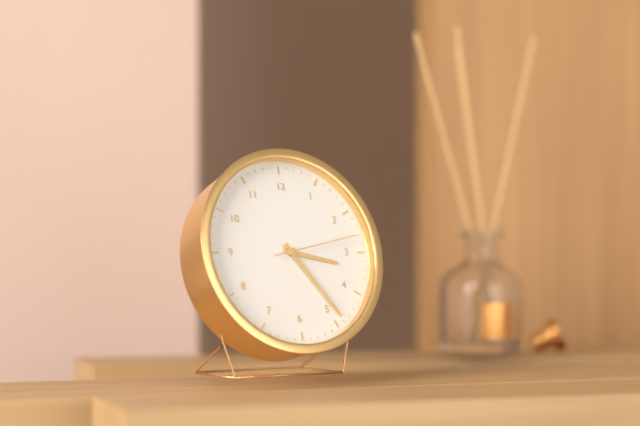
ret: {"hour": 3, "minute": 24, "second": 13}
